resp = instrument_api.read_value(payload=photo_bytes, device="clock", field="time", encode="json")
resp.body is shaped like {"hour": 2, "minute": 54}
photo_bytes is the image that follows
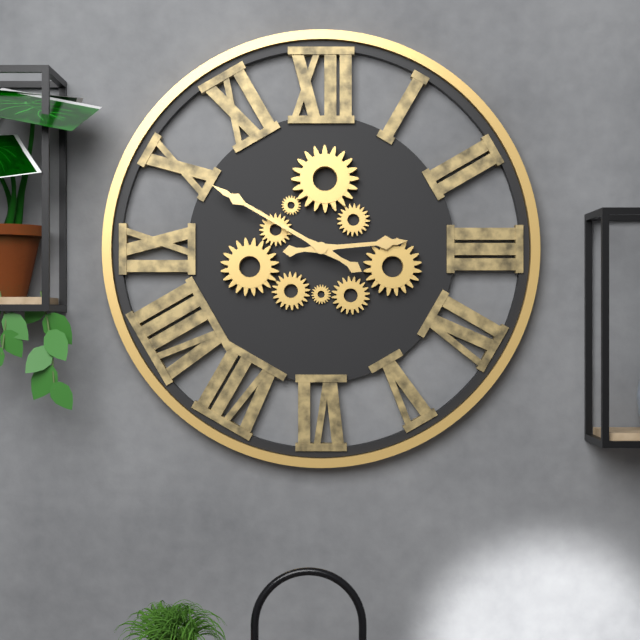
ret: {"hour": 2, "minute": 50}
